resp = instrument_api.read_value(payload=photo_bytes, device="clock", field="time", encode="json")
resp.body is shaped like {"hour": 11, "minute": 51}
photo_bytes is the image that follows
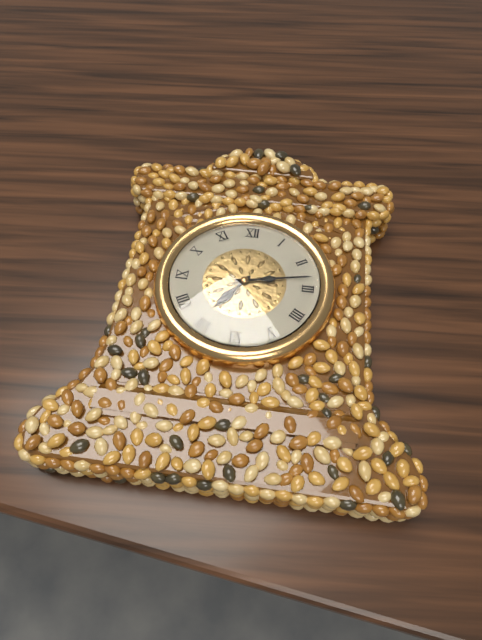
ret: {"hour": 7, "minute": 13}
